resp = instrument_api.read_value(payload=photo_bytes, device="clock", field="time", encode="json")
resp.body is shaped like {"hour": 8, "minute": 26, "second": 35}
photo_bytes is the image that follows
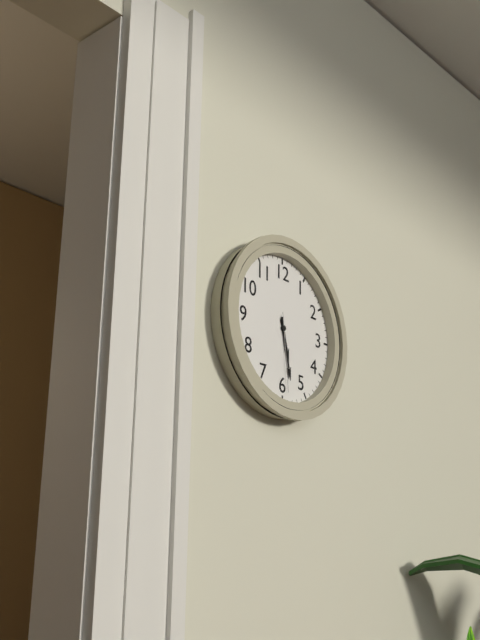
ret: {"hour": 5, "minute": 28, "second": 29}
